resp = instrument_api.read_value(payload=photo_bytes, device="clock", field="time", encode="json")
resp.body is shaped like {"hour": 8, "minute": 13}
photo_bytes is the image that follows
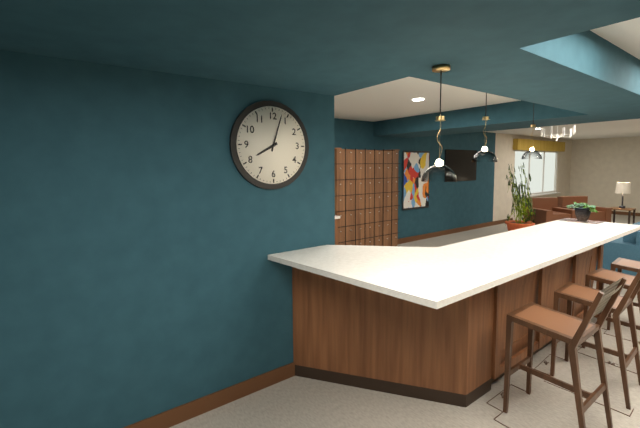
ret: {"hour": 8, "minute": 3}
